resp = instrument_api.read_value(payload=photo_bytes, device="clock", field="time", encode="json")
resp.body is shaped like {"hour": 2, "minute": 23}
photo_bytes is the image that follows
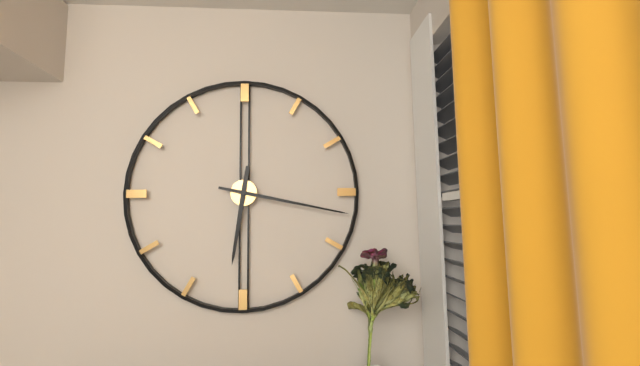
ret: {"hour": 6, "minute": 17}
